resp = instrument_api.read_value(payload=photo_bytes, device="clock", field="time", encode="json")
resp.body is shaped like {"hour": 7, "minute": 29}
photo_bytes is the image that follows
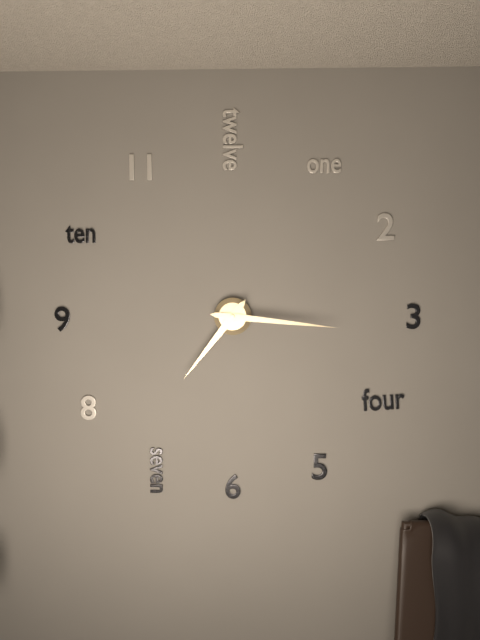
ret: {"hour": 7, "minute": 16}
